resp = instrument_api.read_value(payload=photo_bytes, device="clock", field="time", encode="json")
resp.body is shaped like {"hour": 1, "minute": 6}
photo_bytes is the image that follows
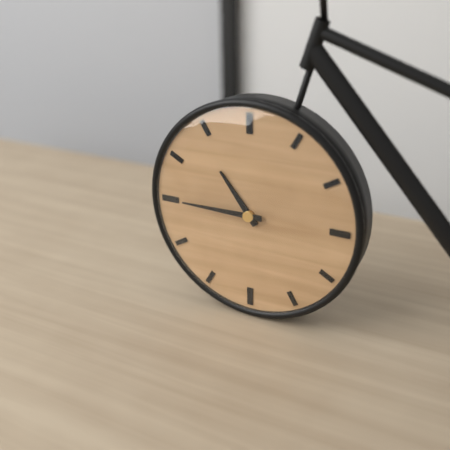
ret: {"hour": 10, "minute": 45}
